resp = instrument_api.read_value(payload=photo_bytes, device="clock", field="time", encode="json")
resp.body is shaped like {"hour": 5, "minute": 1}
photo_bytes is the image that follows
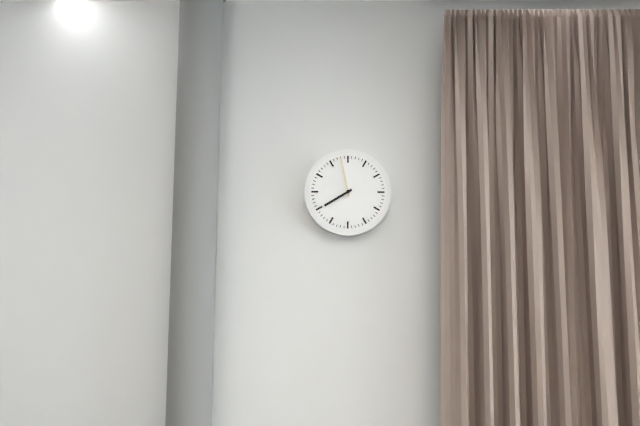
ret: {"hour": 7, "minute": 58}
